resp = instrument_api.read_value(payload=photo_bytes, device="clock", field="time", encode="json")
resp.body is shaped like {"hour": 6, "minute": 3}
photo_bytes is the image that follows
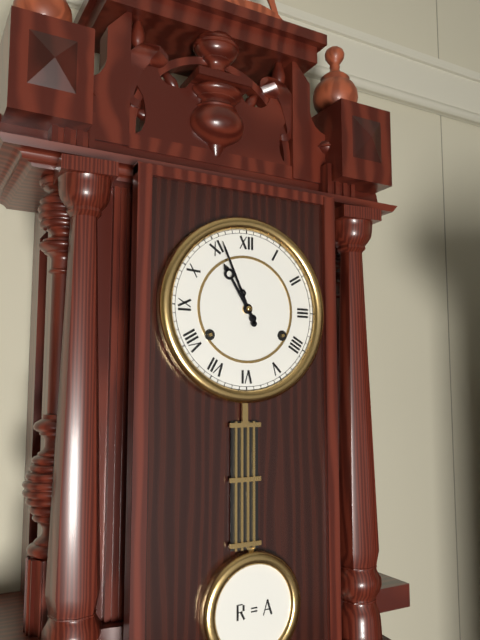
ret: {"hour": 10, "minute": 56}
